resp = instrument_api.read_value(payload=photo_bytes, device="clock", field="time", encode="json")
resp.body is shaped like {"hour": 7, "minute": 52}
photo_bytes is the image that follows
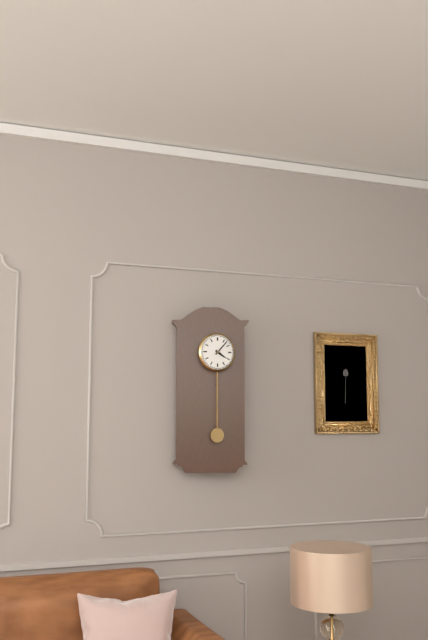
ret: {"hour": 4, "minute": 7}
